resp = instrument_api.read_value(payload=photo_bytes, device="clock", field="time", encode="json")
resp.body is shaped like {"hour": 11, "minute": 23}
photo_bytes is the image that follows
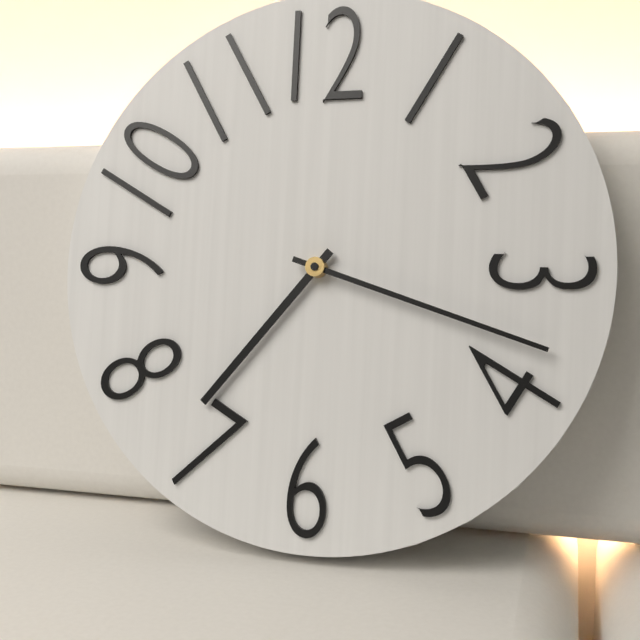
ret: {"hour": 7, "minute": 18}
